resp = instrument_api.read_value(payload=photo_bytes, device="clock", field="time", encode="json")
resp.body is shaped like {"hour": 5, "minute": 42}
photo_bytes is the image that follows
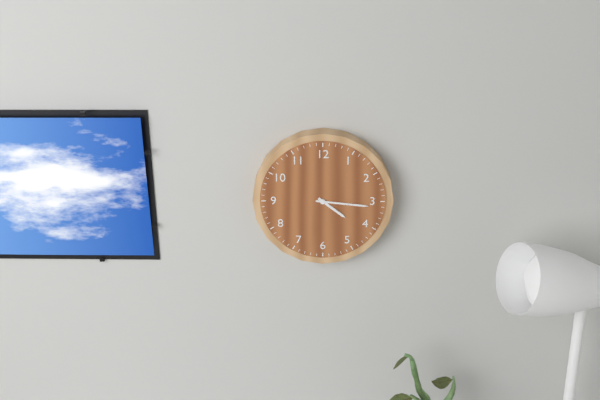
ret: {"hour": 4, "minute": 16}
